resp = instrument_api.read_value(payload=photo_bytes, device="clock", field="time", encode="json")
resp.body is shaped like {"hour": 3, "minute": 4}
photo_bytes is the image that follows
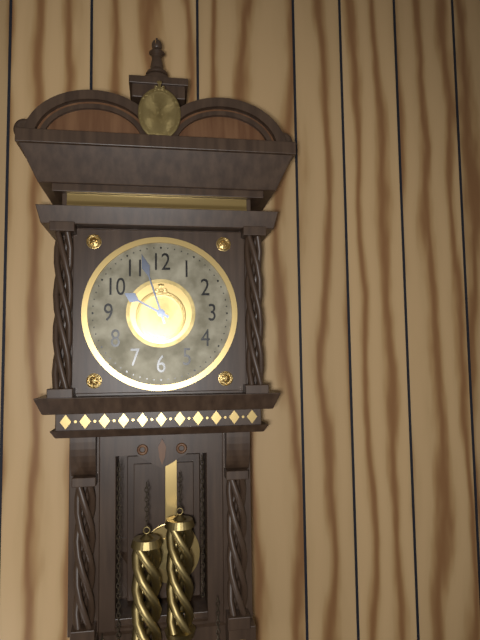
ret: {"hour": 9, "minute": 57}
